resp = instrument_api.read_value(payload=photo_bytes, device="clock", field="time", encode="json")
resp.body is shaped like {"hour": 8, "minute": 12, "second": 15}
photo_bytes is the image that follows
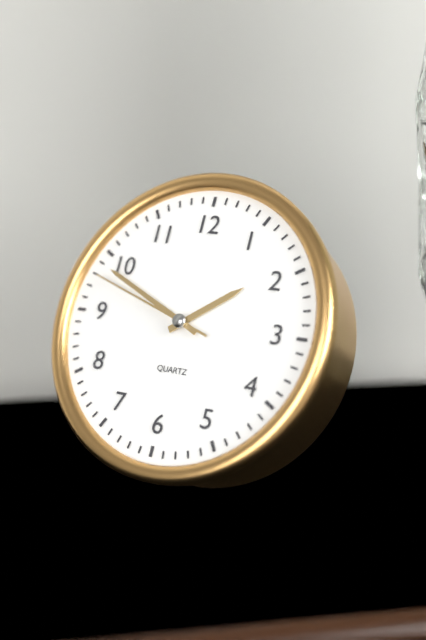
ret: {"hour": 1, "minute": 49, "second": 48}
